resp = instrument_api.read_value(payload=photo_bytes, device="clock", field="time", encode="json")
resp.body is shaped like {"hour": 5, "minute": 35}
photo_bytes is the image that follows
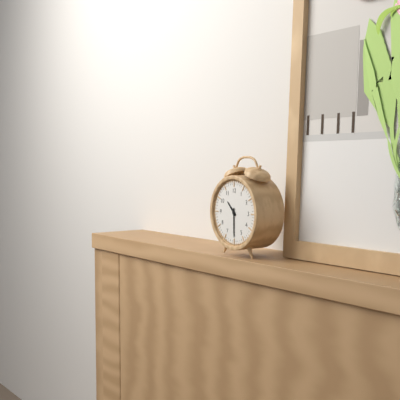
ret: {"hour": 10, "minute": 30}
